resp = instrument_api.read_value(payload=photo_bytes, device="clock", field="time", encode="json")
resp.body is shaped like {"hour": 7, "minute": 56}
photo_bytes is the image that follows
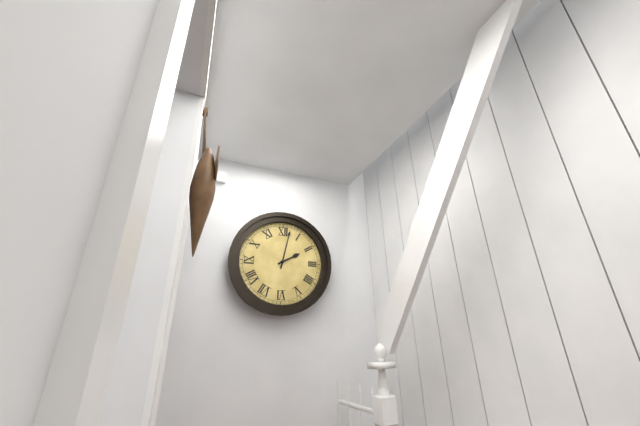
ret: {"hour": 2, "minute": 2}
